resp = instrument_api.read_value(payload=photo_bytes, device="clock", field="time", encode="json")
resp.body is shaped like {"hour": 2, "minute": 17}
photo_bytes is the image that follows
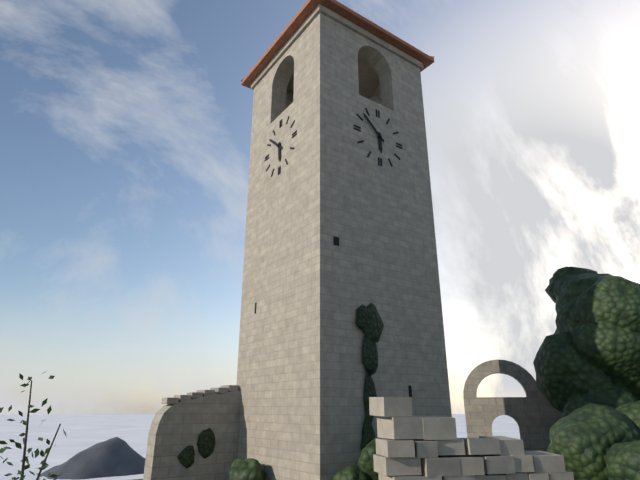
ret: {"hour": 5, "minute": 52}
